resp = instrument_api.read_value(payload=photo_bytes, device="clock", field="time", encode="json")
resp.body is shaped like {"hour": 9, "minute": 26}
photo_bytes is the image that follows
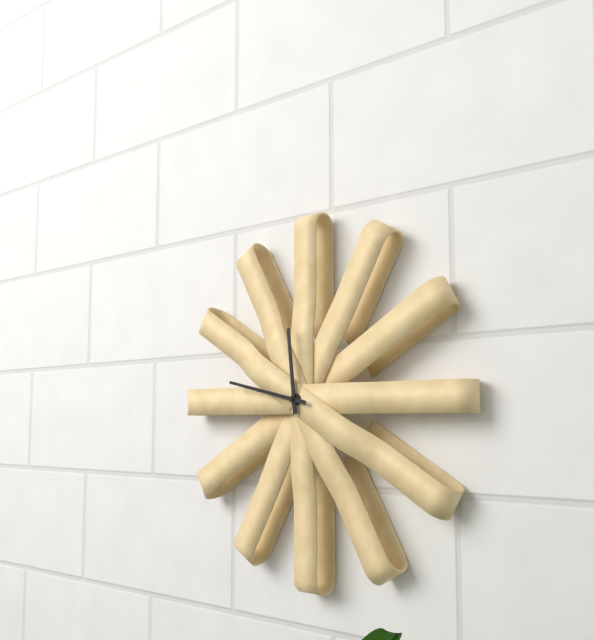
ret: {"hour": 11, "minute": 47}
